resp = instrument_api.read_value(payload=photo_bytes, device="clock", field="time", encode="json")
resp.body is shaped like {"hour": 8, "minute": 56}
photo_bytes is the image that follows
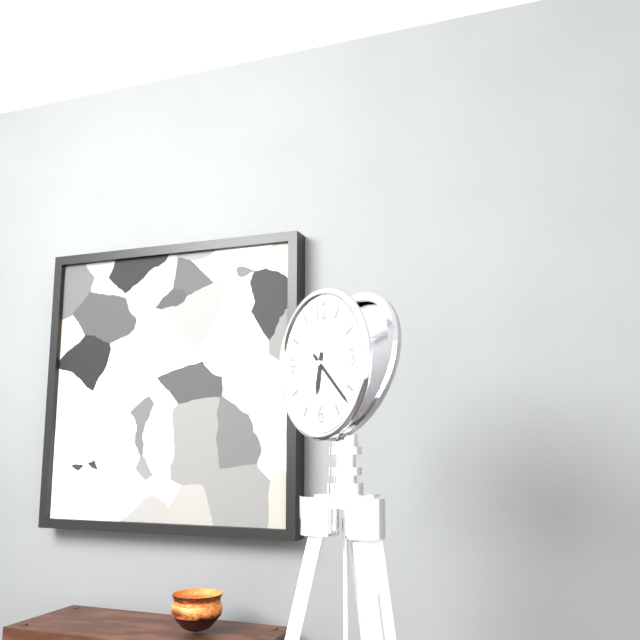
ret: {"hour": 6, "minute": 22}
